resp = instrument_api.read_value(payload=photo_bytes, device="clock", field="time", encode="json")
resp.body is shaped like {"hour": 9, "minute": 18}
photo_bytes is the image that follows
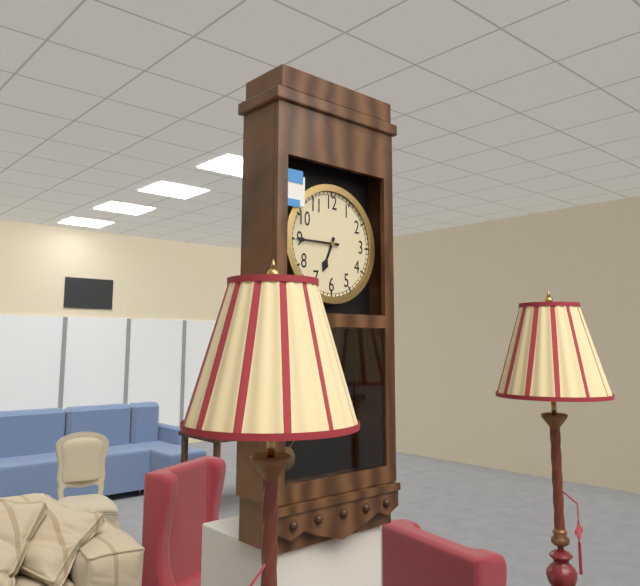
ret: {"hour": 6, "minute": 45}
